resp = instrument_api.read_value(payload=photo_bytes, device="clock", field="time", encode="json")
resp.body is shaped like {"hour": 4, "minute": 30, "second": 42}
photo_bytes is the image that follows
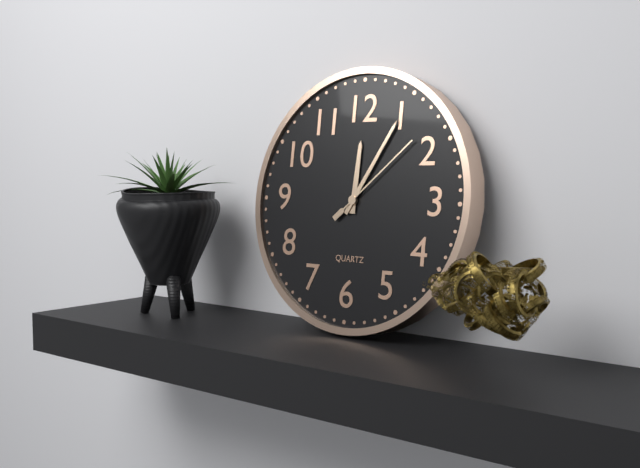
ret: {"hour": 12, "minute": 5, "second": 8}
